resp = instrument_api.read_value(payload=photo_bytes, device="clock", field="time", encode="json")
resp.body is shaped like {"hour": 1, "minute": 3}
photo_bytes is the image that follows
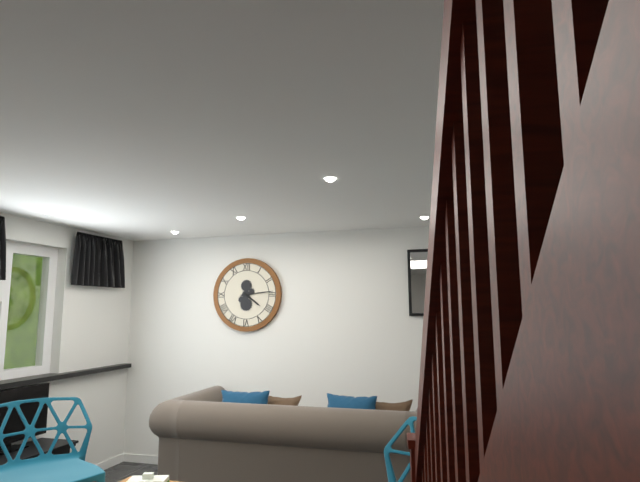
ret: {"hour": 4, "minute": 14}
